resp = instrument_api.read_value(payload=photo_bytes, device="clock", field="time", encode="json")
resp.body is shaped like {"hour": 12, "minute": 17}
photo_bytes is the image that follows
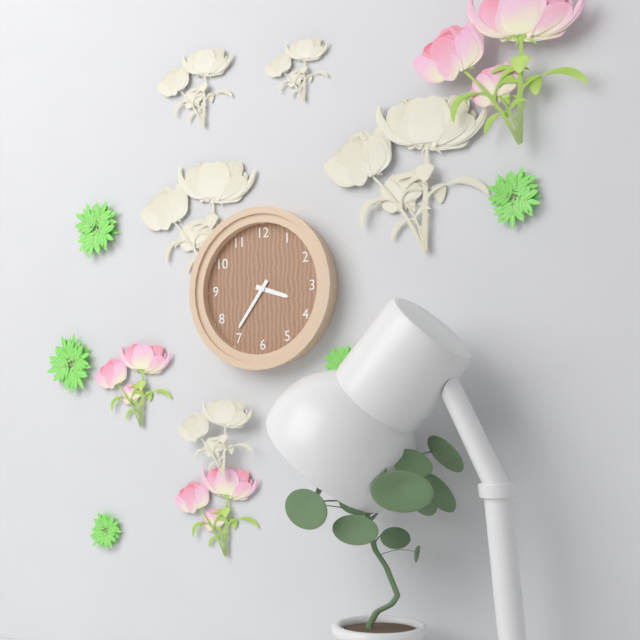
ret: {"hour": 3, "minute": 36}
